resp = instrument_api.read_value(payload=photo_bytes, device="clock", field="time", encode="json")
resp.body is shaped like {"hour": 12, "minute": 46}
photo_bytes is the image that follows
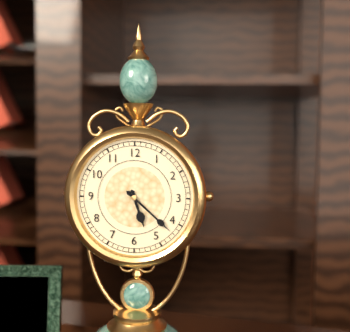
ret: {"hour": 5, "minute": 22}
